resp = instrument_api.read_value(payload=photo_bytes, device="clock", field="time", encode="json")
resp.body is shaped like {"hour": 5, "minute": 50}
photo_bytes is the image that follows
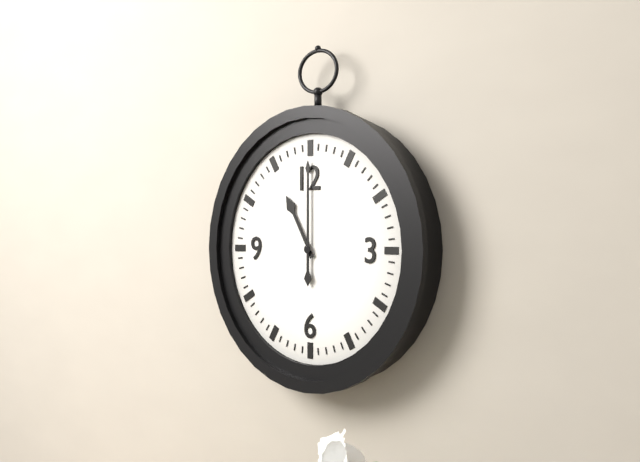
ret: {"hour": 11, "minute": 0}
